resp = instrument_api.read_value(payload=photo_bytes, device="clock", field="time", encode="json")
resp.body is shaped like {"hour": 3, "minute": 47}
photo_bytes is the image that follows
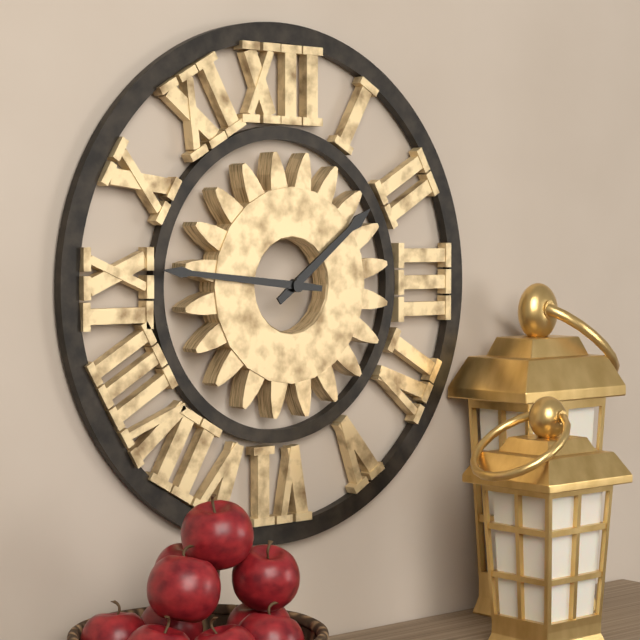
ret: {"hour": 1, "minute": 46}
